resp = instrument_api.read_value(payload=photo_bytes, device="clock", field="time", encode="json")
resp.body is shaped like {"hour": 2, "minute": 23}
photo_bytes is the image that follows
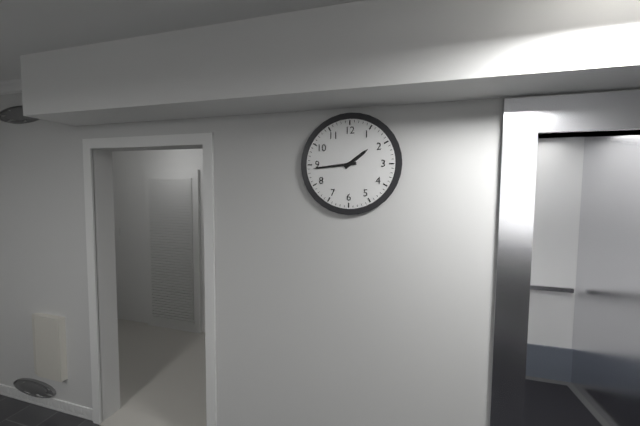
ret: {"hour": 1, "minute": 44}
